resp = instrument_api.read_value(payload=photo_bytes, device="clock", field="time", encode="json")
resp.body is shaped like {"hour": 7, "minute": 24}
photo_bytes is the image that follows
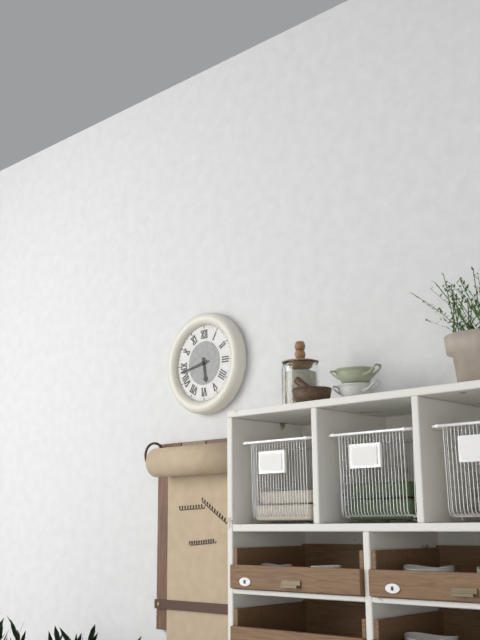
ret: {"hour": 5, "minute": 43}
